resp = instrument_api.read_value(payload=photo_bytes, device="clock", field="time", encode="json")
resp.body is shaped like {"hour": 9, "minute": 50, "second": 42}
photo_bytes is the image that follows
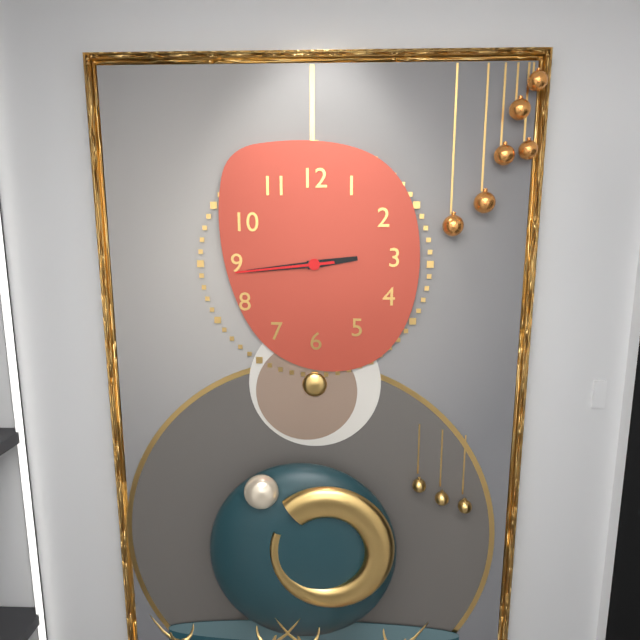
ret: {"hour": 2, "minute": 44, "second": 44}
